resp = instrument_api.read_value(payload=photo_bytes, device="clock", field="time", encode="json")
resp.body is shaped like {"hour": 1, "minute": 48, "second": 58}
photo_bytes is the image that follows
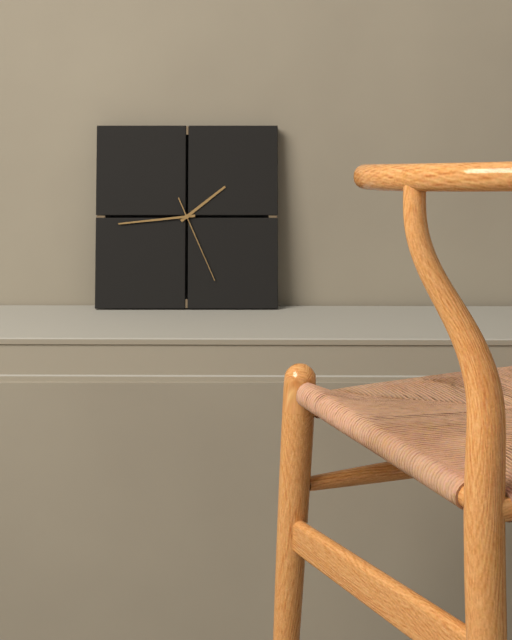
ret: {"hour": 1, "minute": 44, "second": 26}
